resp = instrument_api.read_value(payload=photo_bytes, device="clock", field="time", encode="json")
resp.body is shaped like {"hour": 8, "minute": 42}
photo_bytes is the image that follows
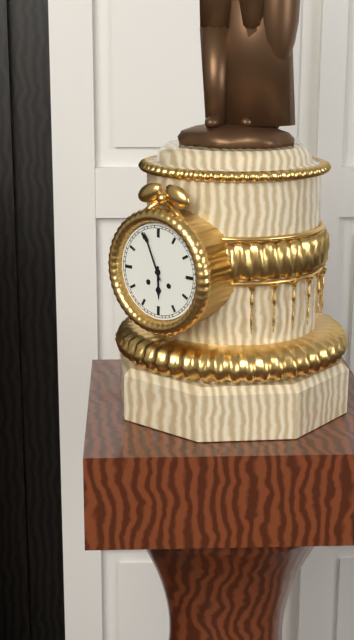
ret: {"hour": 5, "minute": 56}
